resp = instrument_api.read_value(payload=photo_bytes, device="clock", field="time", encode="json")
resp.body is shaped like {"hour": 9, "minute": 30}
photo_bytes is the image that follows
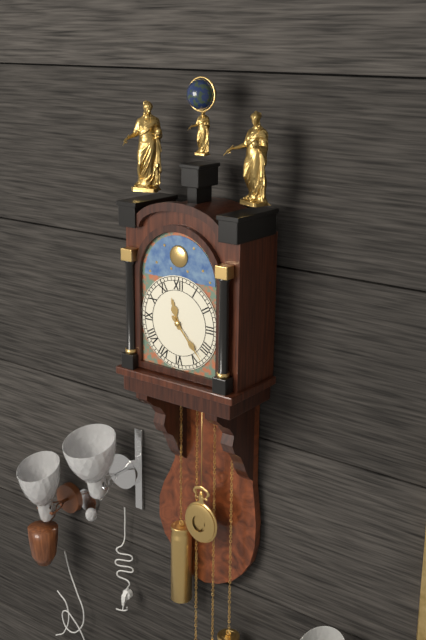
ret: {"hour": 11, "minute": 23}
